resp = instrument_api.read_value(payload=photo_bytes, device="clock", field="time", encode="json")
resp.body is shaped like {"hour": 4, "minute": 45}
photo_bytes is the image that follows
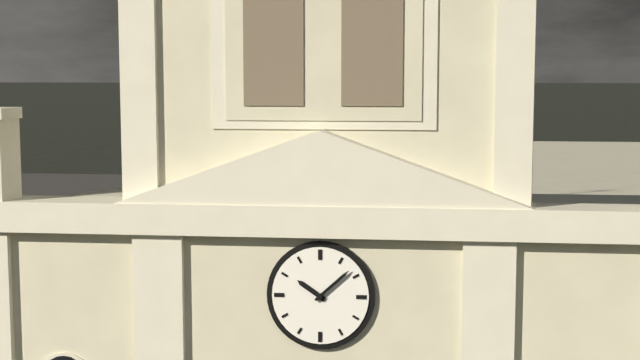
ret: {"hour": 10, "minute": 8}
